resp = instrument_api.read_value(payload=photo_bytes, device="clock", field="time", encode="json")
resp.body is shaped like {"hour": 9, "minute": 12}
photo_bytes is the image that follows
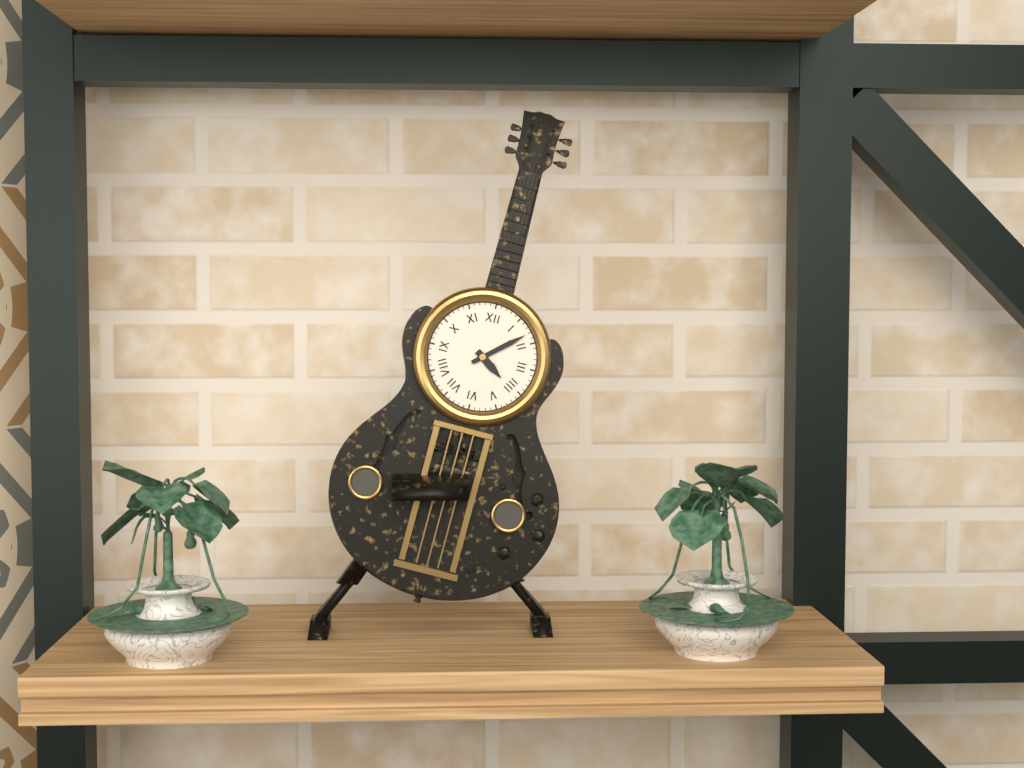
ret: {"hour": 4, "minute": 8}
